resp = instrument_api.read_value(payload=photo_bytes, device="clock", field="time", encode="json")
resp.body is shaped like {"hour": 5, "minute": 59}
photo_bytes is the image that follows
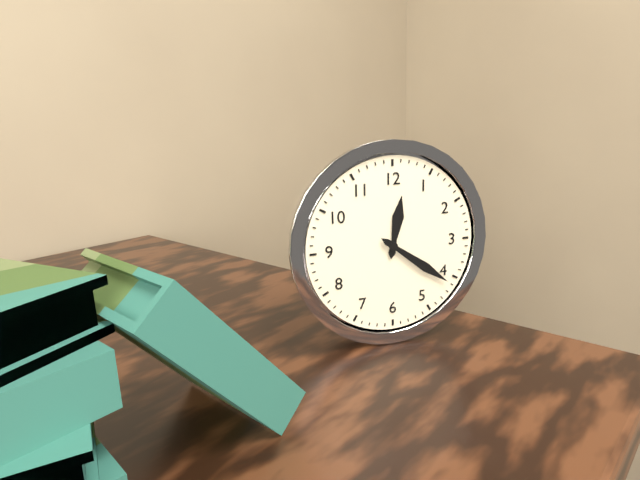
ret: {"hour": 12, "minute": 21}
